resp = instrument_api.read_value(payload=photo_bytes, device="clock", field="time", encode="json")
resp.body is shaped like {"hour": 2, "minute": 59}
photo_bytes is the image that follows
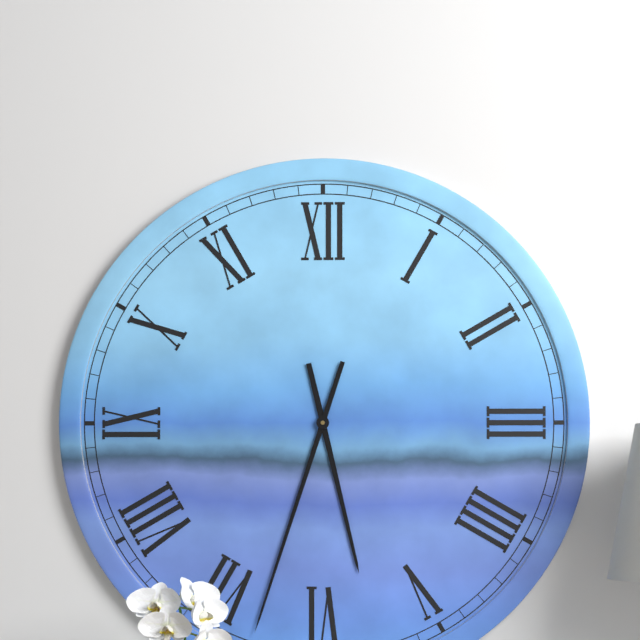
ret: {"hour": 5, "minute": 33}
